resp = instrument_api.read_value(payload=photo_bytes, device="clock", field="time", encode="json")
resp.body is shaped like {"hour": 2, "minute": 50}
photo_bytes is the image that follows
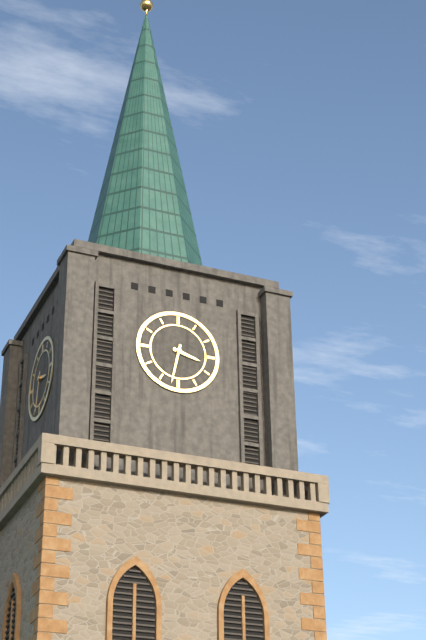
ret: {"hour": 3, "minute": 32}
